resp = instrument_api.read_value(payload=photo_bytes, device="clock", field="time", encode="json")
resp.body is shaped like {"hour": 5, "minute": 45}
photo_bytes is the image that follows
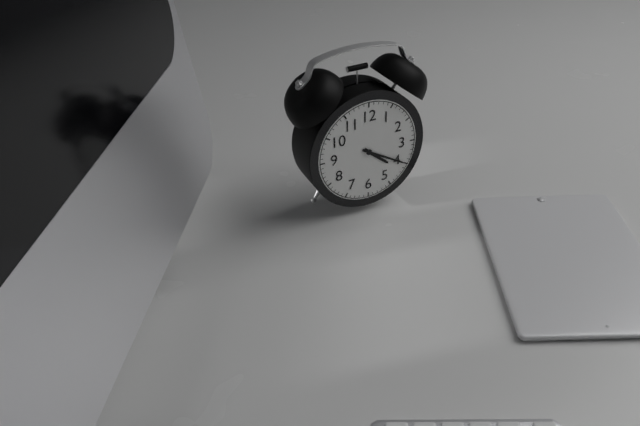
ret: {"hour": 4, "minute": 20}
